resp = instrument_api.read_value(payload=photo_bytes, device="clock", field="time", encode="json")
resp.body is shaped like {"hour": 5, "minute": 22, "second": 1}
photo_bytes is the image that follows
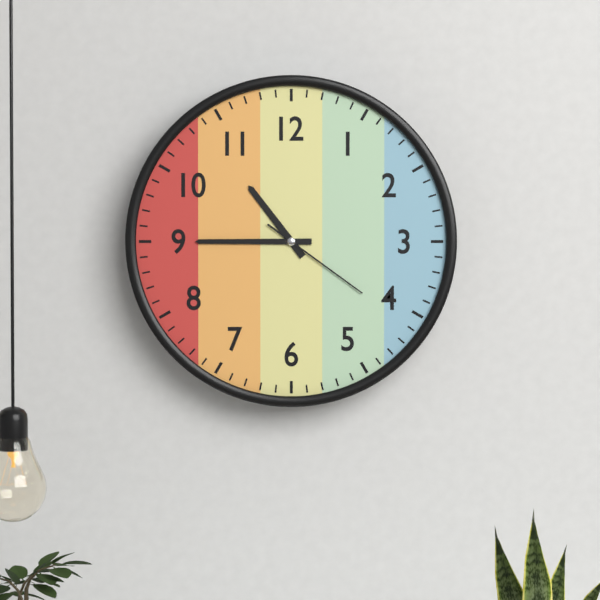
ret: {"hour": 10, "minute": 45, "second": 21}
